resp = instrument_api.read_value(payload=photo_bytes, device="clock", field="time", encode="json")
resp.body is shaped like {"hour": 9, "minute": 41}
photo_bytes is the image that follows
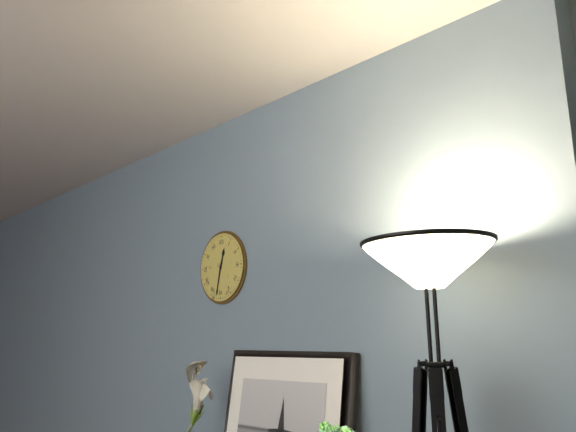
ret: {"hour": 12, "minute": 32}
